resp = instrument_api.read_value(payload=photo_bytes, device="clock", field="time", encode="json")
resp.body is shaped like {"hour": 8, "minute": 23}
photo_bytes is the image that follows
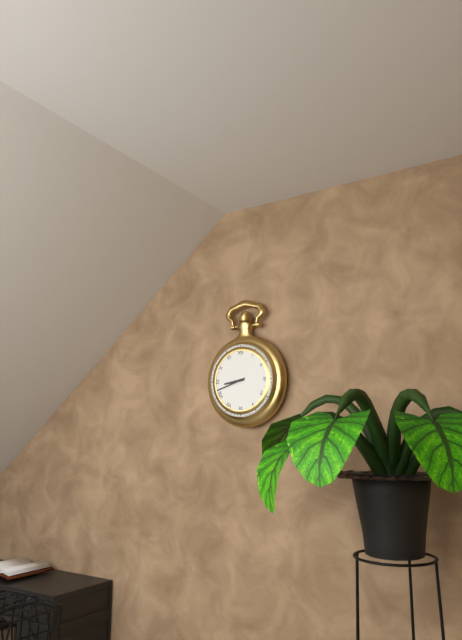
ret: {"hour": 8, "minute": 42}
